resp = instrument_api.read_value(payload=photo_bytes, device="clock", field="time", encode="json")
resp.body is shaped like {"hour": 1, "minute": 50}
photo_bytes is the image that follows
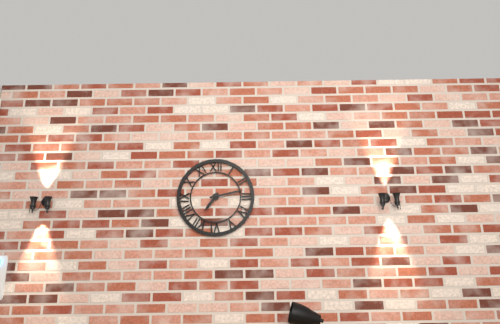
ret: {"hour": 7, "minute": 13}
